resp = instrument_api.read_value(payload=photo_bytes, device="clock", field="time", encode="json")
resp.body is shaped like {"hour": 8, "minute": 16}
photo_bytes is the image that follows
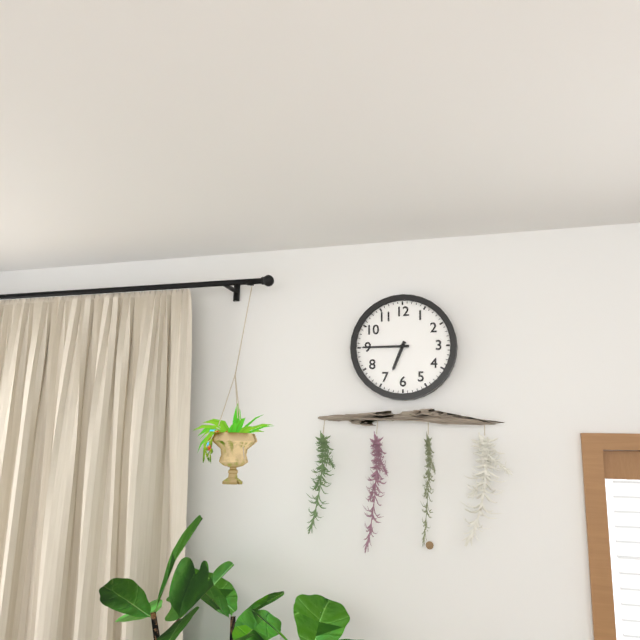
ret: {"hour": 6, "minute": 45}
